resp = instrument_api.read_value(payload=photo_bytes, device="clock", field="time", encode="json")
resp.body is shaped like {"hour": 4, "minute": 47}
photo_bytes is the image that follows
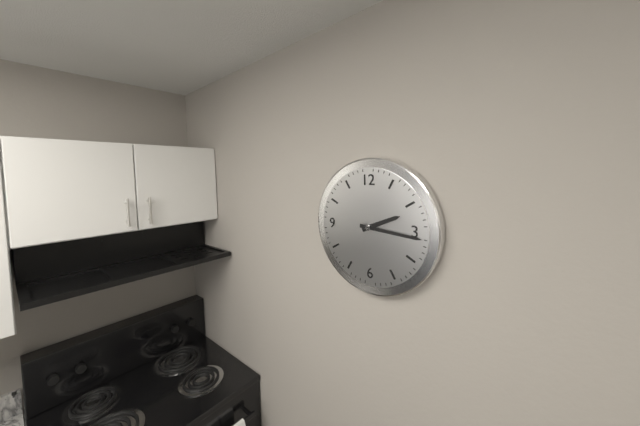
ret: {"hour": 2, "minute": 16}
